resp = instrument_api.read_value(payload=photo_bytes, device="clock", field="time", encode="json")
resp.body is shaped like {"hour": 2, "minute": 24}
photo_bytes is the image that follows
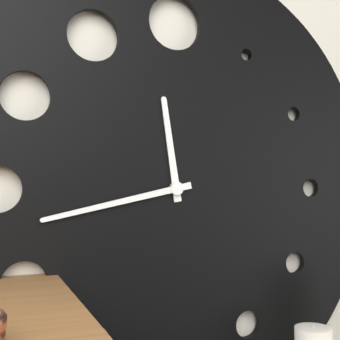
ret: {"hour": 11, "minute": 43}
